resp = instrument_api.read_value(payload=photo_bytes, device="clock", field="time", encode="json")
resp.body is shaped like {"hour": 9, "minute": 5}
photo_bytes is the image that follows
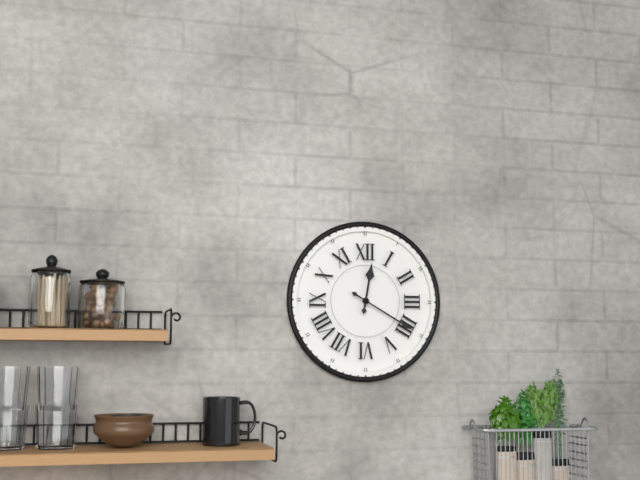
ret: {"hour": 12, "minute": 20}
